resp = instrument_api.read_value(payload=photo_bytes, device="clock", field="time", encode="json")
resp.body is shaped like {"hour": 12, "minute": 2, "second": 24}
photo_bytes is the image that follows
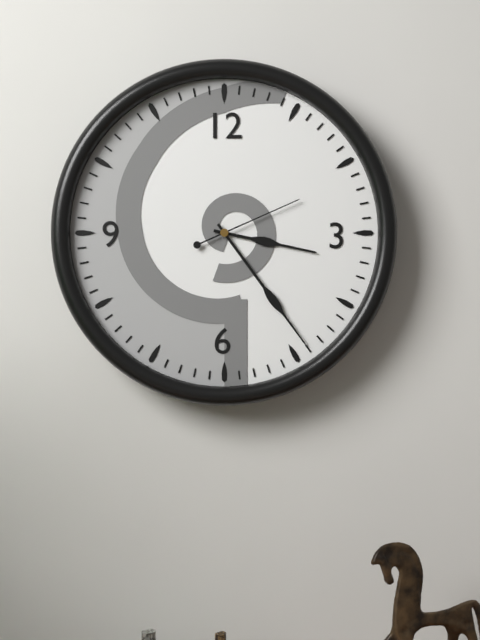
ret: {"hour": 3, "minute": 24, "second": 11}
